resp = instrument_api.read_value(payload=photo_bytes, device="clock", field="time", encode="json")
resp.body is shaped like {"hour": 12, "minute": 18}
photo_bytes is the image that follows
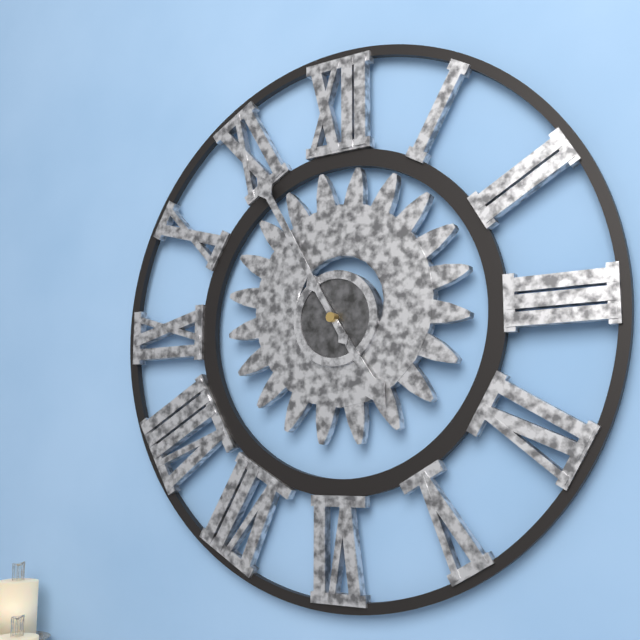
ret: {"hour": 4, "minute": 55}
